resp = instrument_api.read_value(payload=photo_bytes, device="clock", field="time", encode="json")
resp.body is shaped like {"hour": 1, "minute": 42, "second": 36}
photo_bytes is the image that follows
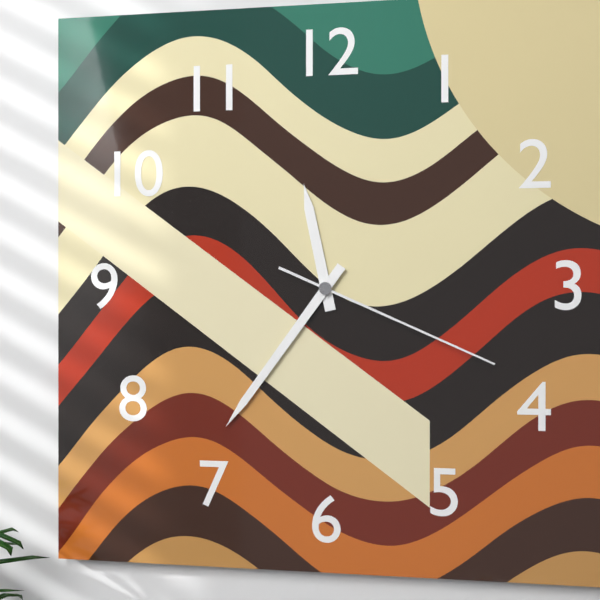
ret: {"hour": 11, "minute": 36, "second": 19}
